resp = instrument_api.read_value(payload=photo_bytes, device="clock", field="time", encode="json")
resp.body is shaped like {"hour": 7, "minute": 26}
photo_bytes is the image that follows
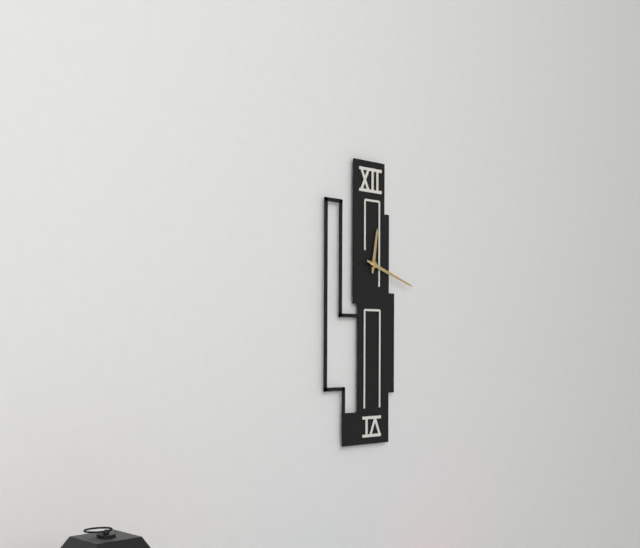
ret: {"hour": 12, "minute": 18}
